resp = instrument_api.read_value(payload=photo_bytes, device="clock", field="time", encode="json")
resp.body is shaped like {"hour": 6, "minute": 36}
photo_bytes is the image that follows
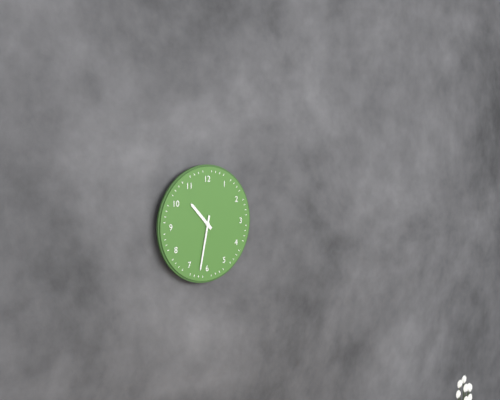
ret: {"hour": 10, "minute": 32}
